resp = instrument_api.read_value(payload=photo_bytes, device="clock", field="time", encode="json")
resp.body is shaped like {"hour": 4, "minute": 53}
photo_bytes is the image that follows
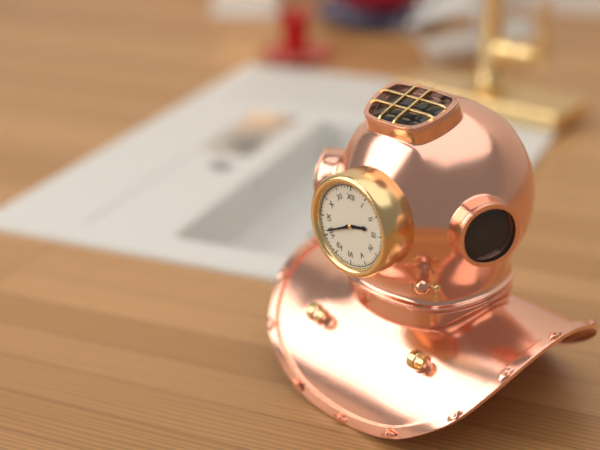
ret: {"hour": 2, "minute": 41}
